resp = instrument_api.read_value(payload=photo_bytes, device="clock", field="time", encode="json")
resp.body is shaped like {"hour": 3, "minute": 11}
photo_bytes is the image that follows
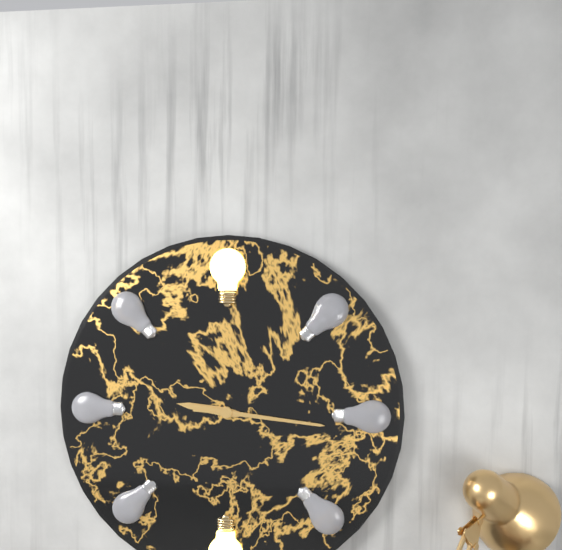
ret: {"hour": 9, "minute": 16}
